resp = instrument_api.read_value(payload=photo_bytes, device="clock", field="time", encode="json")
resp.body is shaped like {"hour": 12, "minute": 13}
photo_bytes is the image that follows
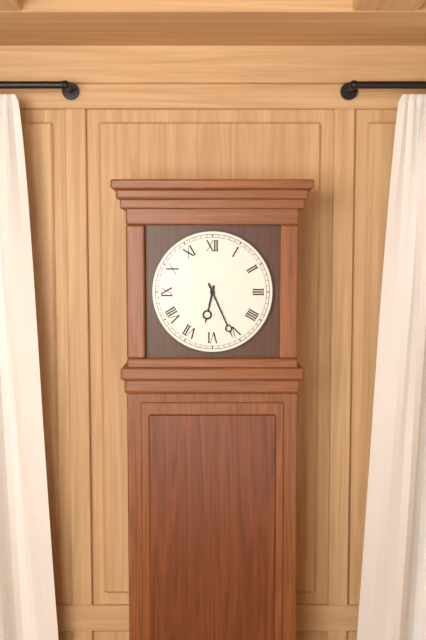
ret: {"hour": 6, "minute": 26}
